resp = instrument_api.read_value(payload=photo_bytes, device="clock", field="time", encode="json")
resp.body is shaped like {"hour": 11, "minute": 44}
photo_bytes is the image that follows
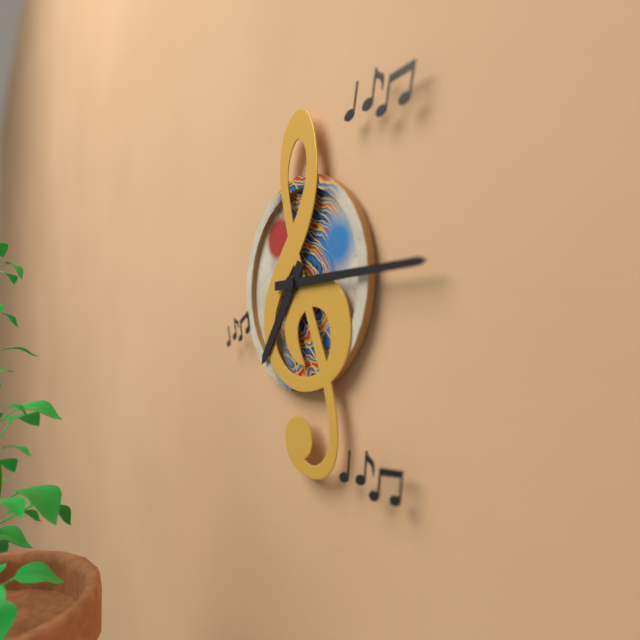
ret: {"hour": 7, "minute": 15}
